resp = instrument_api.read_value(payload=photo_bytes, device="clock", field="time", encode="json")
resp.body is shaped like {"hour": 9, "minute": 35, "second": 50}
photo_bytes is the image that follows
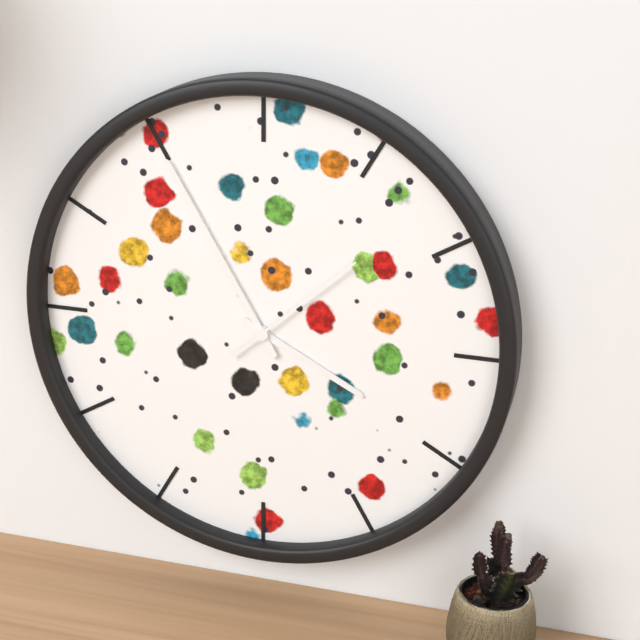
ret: {"hour": 3, "minute": 55, "second": 8}
